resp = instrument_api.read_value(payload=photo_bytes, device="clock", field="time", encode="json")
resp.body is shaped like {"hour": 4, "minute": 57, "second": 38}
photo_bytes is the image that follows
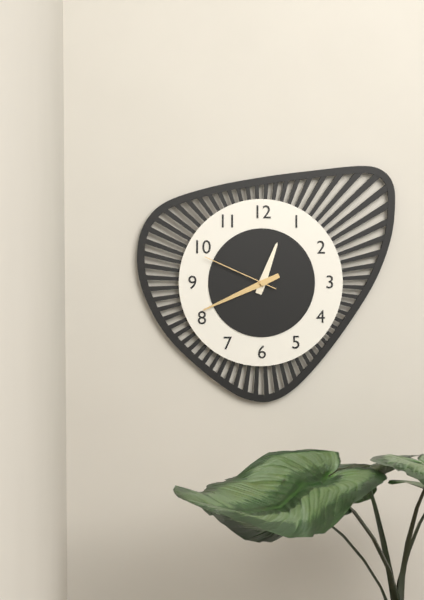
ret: {"hour": 12, "minute": 41, "second": 49}
